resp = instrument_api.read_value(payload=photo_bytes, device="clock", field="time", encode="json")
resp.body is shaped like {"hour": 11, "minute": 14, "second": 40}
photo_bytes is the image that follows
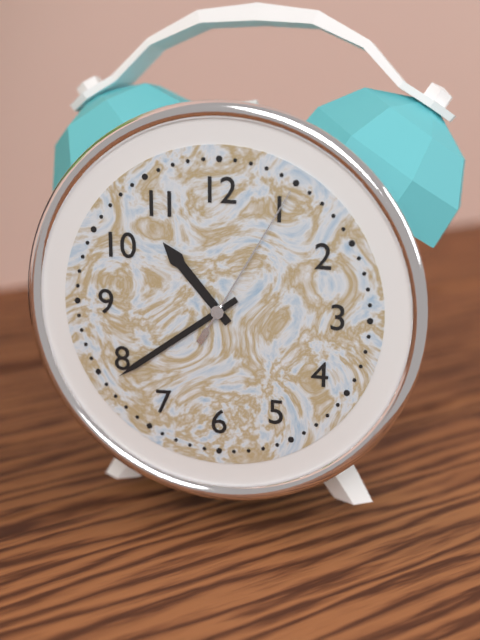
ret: {"hour": 10, "minute": 39, "second": 5}
